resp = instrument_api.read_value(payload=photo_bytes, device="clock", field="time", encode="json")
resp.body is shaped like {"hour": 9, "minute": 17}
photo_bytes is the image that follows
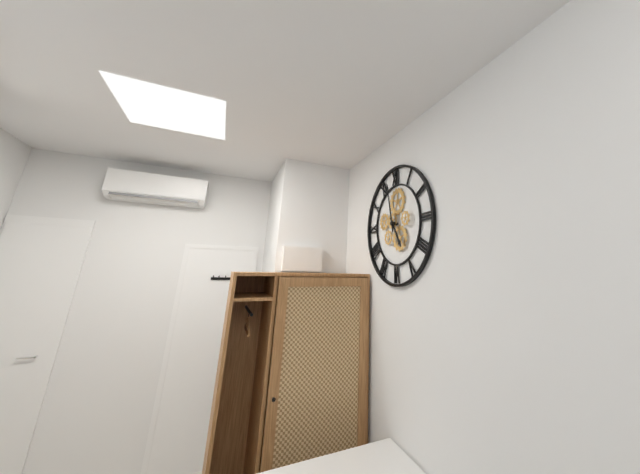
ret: {"hour": 4, "minute": 58}
